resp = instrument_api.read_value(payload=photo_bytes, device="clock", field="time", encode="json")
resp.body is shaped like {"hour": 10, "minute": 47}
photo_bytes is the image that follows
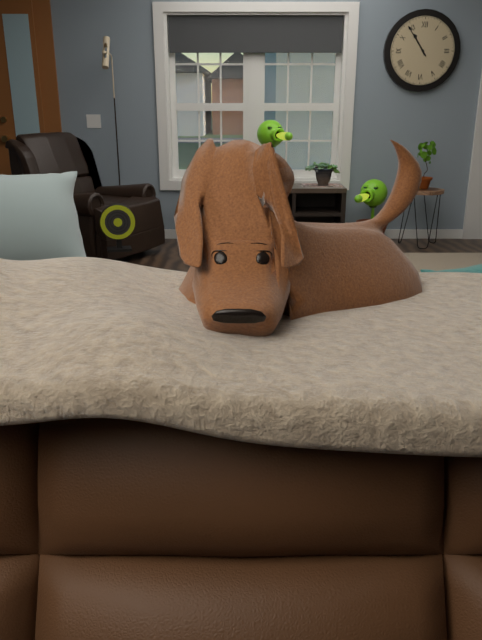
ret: {"hour": 10, "minute": 54}
